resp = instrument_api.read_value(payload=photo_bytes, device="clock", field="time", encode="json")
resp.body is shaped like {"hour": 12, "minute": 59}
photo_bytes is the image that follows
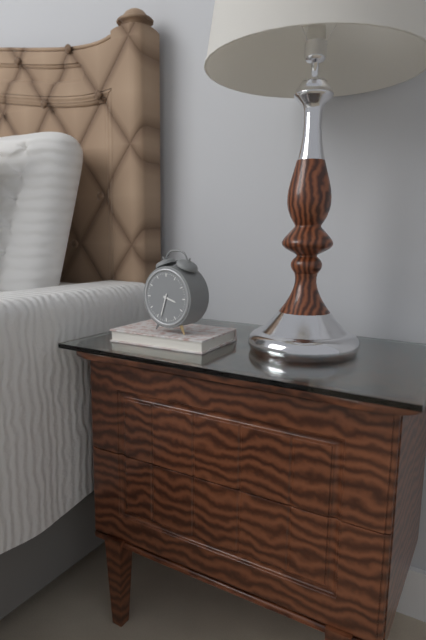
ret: {"hour": 3, "minute": 33}
